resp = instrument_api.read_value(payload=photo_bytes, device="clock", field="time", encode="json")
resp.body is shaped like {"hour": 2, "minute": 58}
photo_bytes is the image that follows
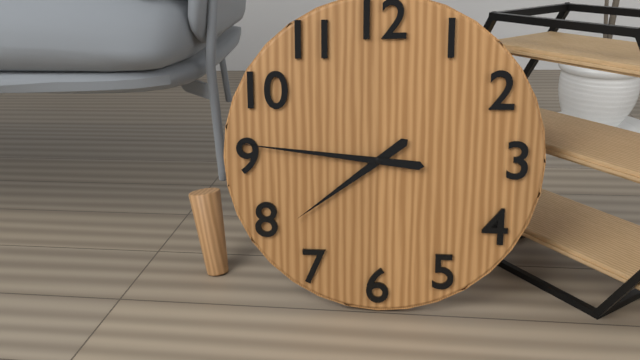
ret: {"hour": 7, "minute": 46}
